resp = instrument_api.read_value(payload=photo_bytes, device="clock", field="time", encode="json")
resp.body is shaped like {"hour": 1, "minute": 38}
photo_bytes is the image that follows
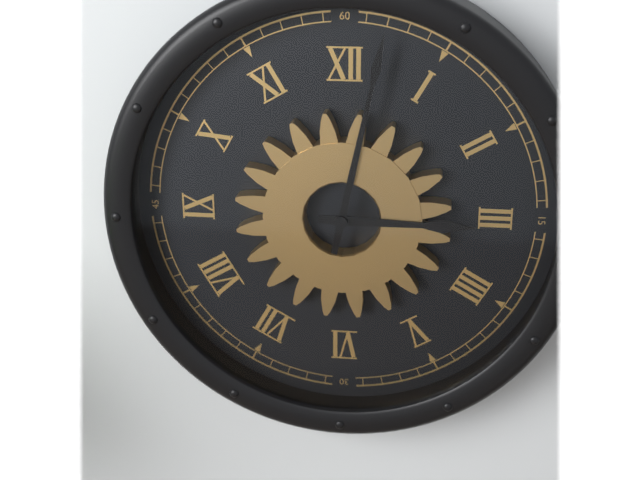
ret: {"hour": 3, "minute": 2}
